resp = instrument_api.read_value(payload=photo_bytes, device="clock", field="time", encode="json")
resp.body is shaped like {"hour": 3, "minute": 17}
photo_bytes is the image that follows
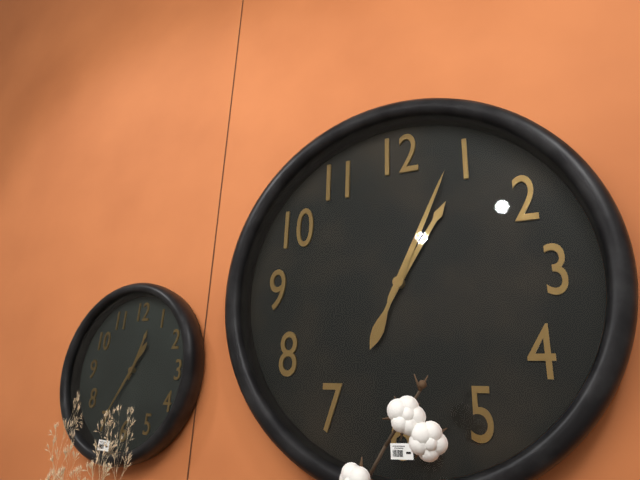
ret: {"hour": 1, "minute": 4}
